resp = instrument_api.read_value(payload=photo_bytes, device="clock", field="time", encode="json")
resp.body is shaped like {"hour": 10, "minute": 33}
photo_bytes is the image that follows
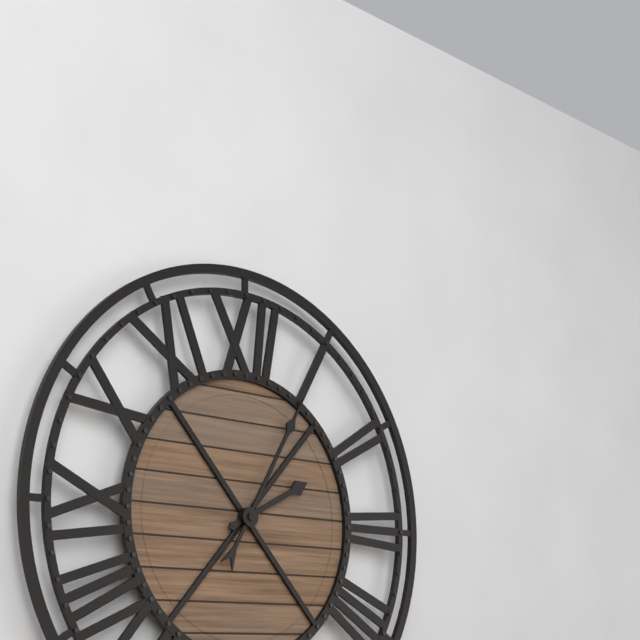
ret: {"hour": 2, "minute": 5}
